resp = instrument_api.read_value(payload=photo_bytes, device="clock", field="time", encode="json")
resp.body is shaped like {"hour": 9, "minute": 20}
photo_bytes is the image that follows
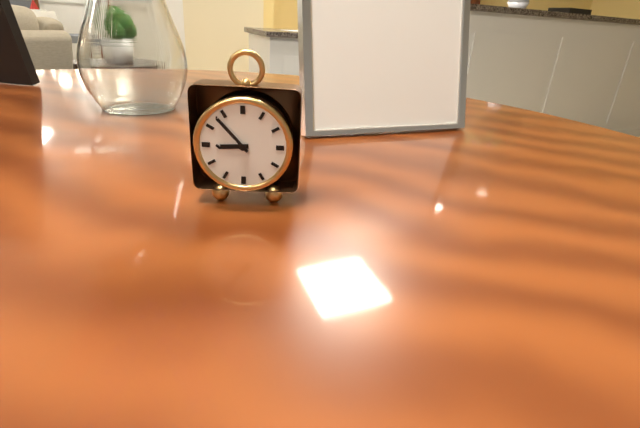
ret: {"hour": 8, "minute": 53}
